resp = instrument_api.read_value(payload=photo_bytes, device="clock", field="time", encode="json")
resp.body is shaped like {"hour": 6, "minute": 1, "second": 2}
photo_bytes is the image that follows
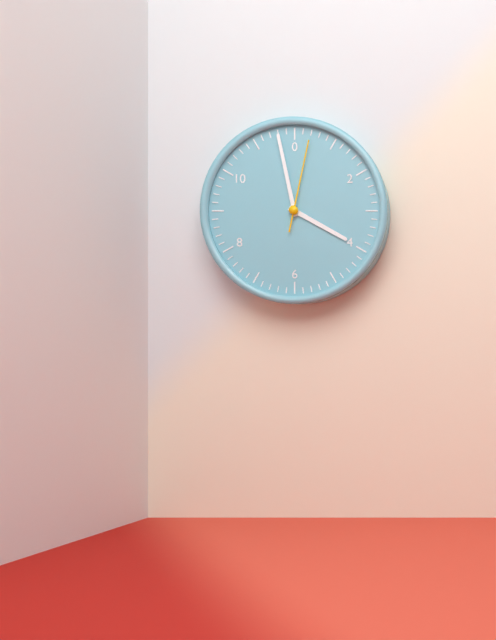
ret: {"hour": 3, "minute": 58, "second": 2}
